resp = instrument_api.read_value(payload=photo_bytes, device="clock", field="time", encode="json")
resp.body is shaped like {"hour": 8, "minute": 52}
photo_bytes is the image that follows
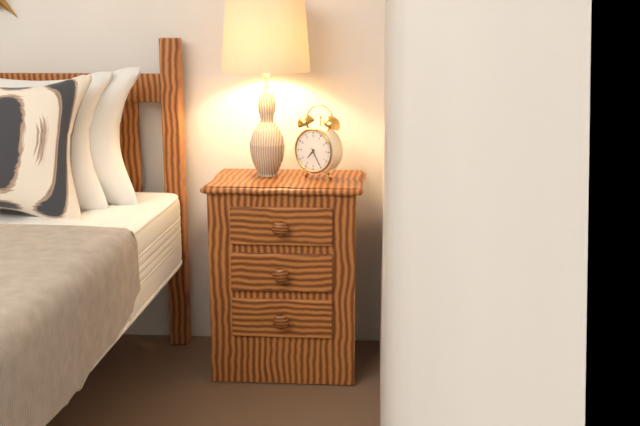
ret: {"hour": 7, "minute": 25}
